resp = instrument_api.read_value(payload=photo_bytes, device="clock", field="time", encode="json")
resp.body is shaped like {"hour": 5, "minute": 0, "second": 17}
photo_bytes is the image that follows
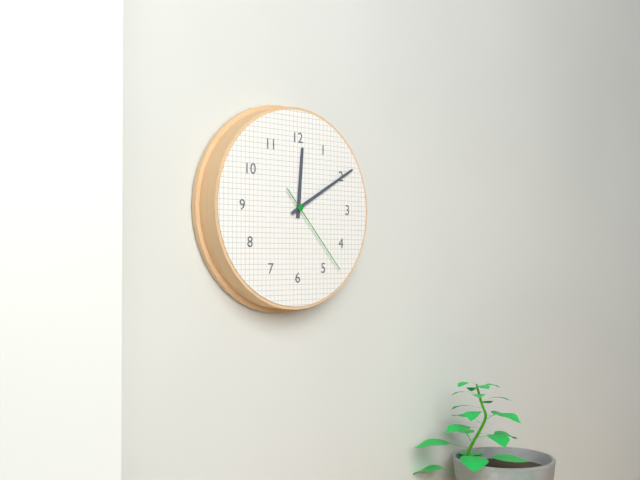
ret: {"hour": 12, "minute": 10, "second": 23}
